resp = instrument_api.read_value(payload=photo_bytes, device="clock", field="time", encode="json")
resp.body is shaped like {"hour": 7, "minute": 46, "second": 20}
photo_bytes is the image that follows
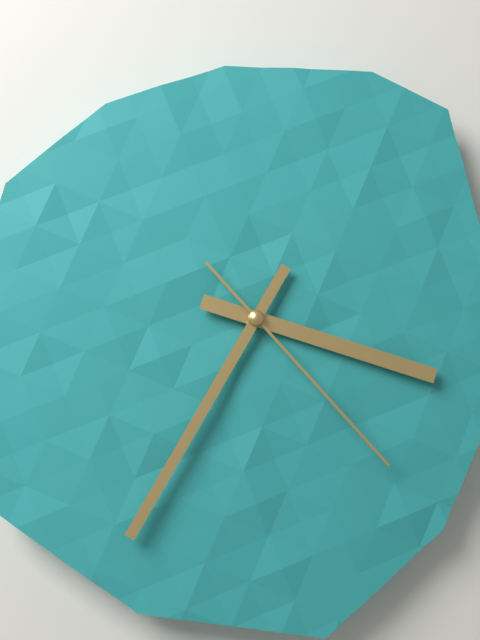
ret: {"hour": 3, "minute": 35, "second": 23}
